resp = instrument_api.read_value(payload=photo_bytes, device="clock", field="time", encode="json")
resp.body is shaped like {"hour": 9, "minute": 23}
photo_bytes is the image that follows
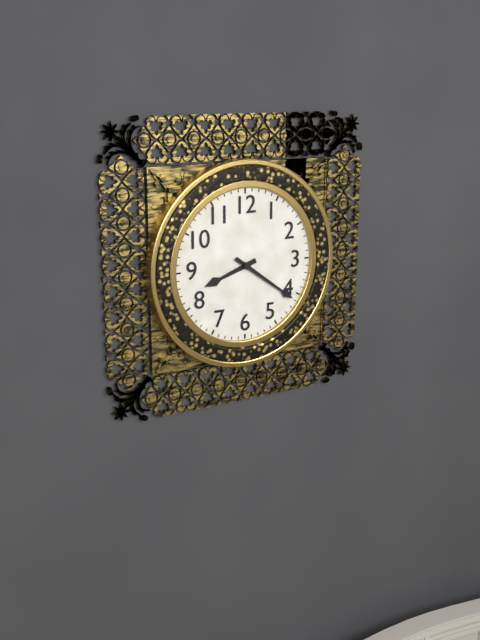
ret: {"hour": 8, "minute": 21}
